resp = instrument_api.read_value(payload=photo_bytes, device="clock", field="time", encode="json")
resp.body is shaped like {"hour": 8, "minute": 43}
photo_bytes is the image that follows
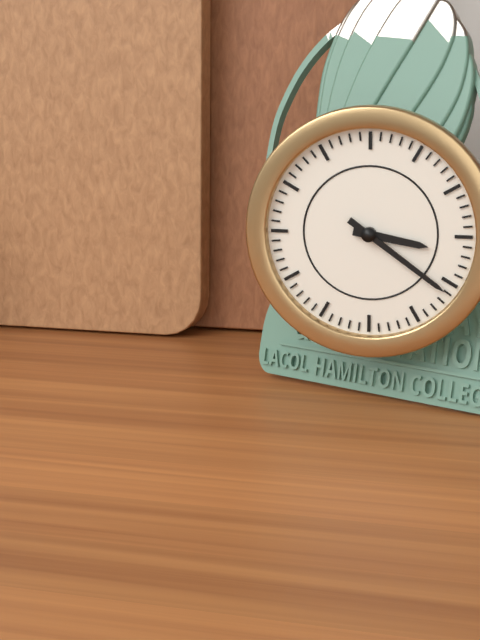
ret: {"hour": 3, "minute": 21}
